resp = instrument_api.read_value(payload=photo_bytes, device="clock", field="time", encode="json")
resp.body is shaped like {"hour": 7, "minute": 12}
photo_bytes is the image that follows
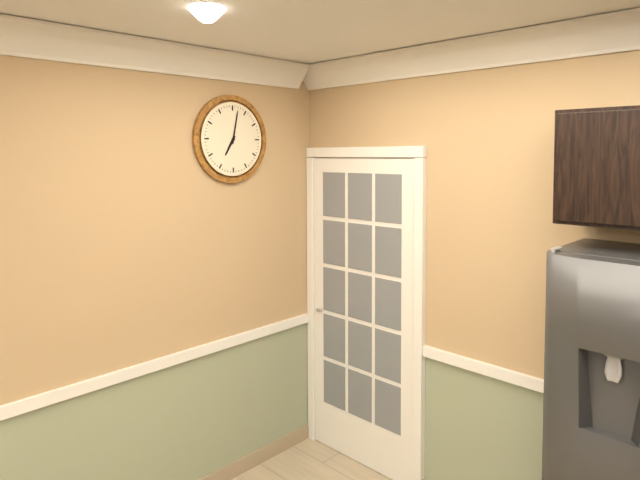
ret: {"hour": 7, "minute": 2}
